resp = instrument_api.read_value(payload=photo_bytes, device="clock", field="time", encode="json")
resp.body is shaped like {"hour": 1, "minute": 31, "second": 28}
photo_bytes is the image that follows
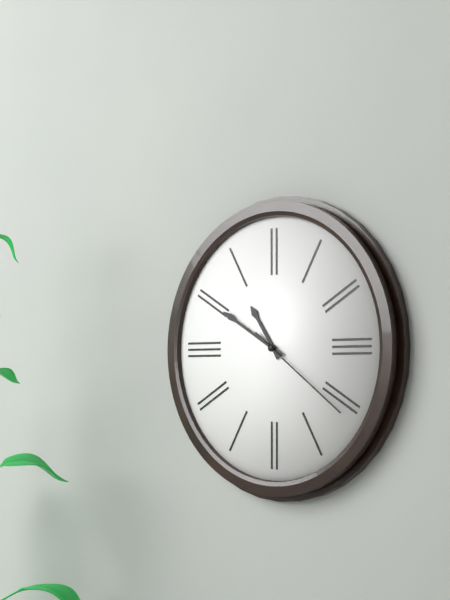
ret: {"hour": 10, "minute": 50, "second": 21}
